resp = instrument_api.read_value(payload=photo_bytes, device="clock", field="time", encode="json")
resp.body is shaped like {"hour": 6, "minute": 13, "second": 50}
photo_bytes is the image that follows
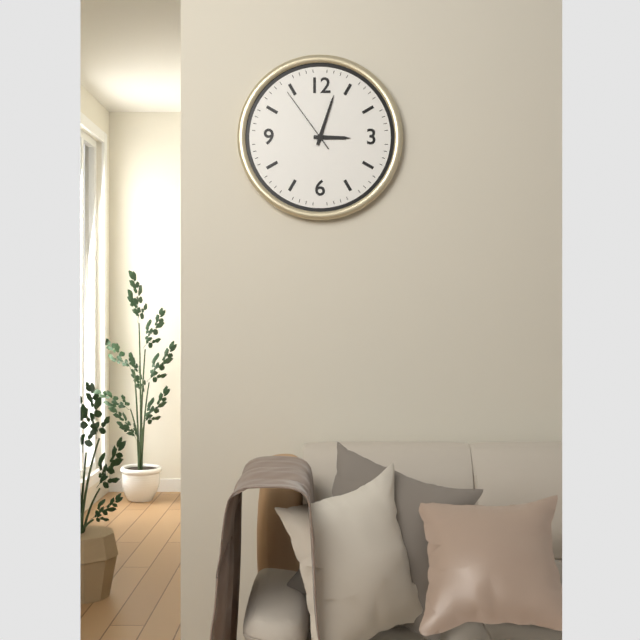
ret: {"hour": 3, "minute": 3, "second": 54}
